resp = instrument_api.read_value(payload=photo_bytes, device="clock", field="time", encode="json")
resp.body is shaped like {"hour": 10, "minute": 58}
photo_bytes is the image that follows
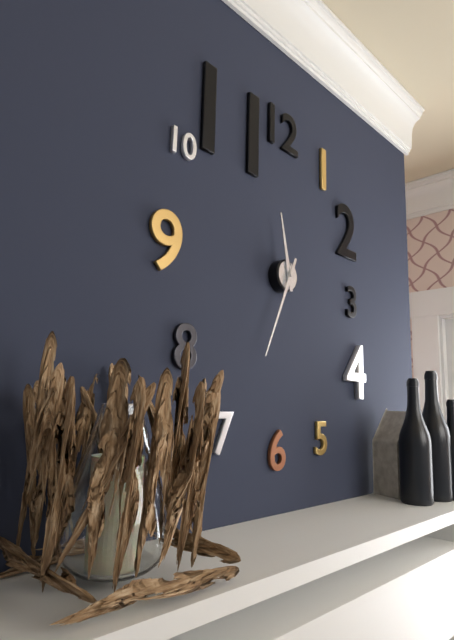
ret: {"hour": 11, "minute": 34}
